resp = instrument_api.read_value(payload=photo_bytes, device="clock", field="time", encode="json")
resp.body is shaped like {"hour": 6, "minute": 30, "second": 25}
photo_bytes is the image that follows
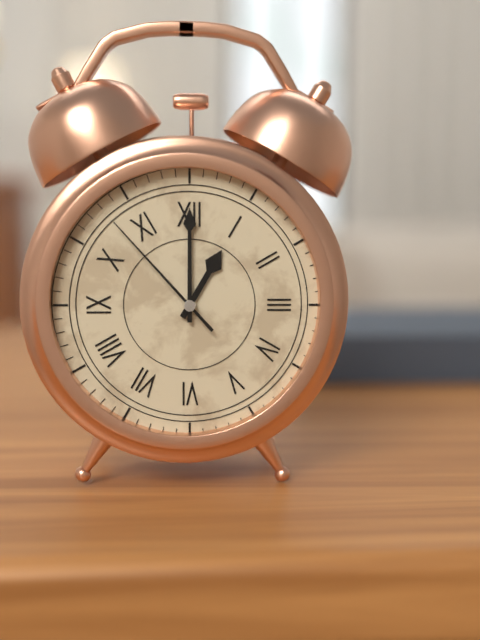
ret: {"hour": 1, "minute": 0, "second": 53}
